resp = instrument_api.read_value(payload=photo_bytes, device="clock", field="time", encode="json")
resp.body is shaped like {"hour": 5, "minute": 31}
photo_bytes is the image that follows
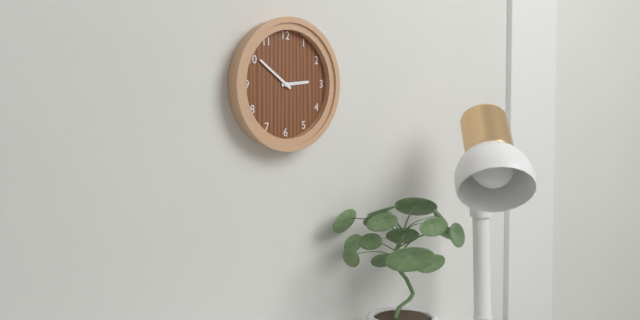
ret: {"hour": 2, "minute": 51}
